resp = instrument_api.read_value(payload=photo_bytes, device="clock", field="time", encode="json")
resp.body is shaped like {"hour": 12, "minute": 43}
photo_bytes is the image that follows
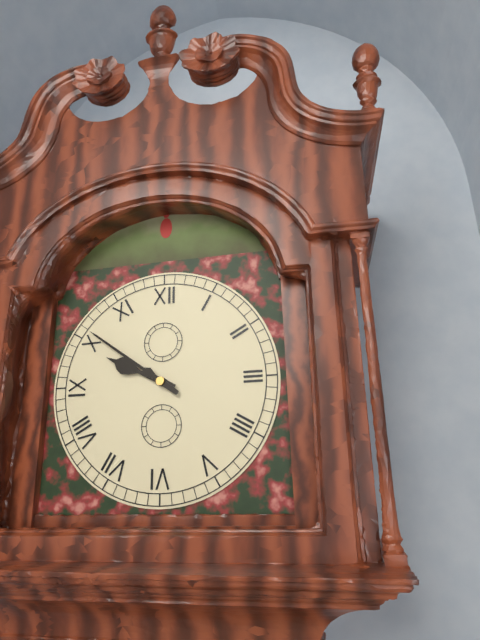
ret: {"hour": 9, "minute": 51}
